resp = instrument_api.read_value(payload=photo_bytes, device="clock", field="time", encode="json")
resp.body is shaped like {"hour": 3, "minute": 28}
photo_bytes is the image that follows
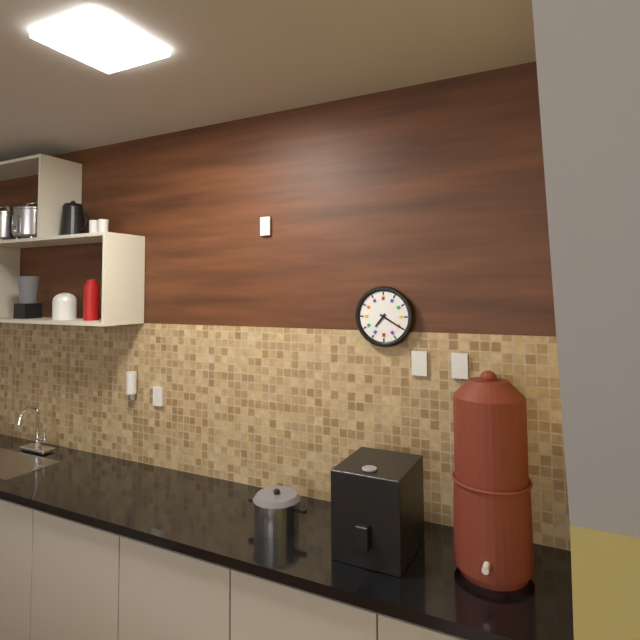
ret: {"hour": 7, "minute": 20}
